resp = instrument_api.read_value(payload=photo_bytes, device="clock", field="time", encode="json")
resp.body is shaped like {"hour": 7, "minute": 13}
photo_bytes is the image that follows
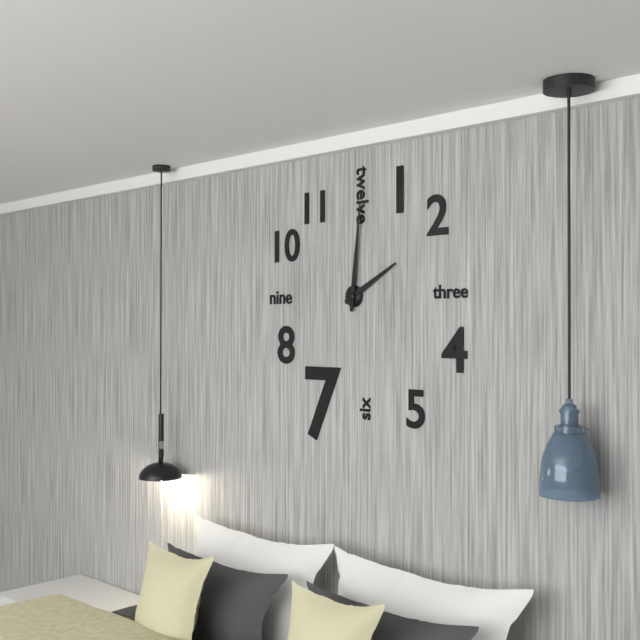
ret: {"hour": 2, "minute": 1}
